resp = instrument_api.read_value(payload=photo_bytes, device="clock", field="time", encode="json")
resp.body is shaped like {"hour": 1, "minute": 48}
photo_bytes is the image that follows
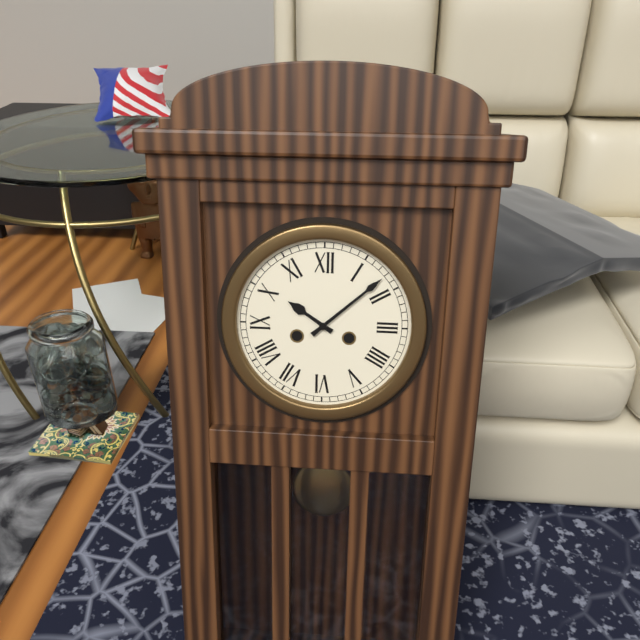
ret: {"hour": 10, "minute": 8}
